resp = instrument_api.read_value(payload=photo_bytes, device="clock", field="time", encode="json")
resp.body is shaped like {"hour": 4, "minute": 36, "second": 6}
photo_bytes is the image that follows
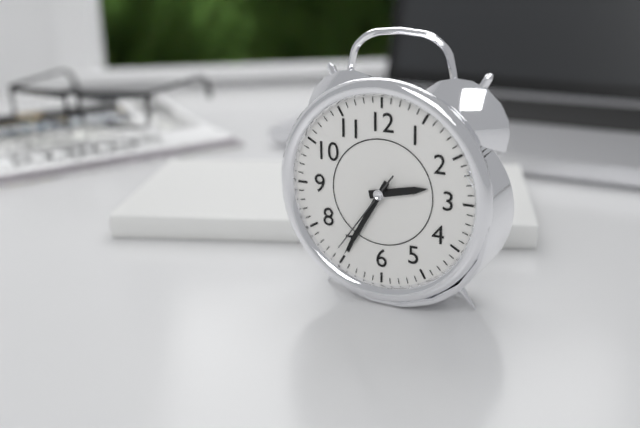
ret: {"hour": 2, "minute": 35, "second": 36}
